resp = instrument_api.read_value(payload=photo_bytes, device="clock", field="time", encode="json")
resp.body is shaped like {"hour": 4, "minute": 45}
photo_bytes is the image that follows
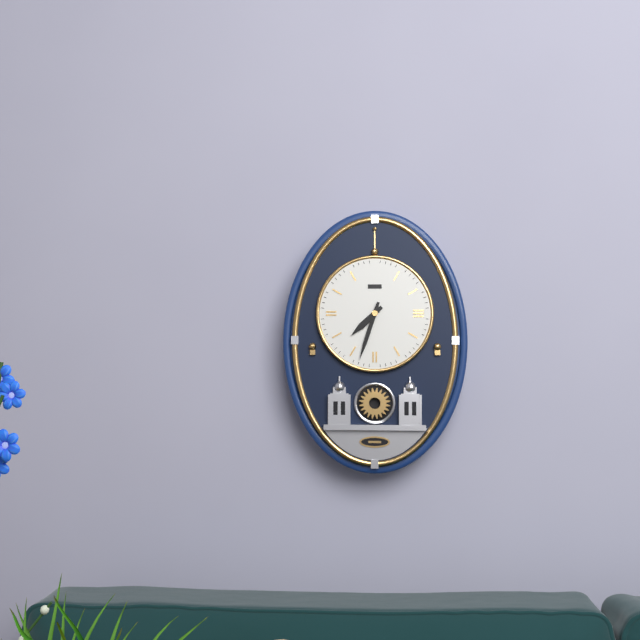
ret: {"hour": 7, "minute": 33}
